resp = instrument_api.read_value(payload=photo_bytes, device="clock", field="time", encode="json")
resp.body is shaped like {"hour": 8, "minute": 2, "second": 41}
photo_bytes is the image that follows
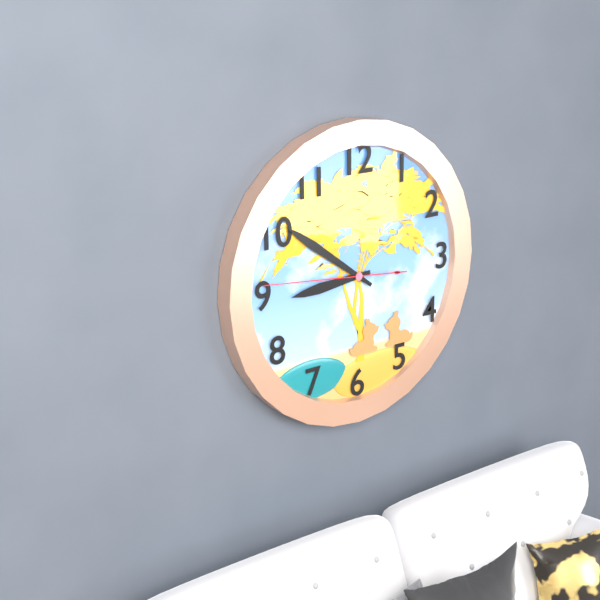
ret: {"hour": 8, "minute": 51, "second": 46}
